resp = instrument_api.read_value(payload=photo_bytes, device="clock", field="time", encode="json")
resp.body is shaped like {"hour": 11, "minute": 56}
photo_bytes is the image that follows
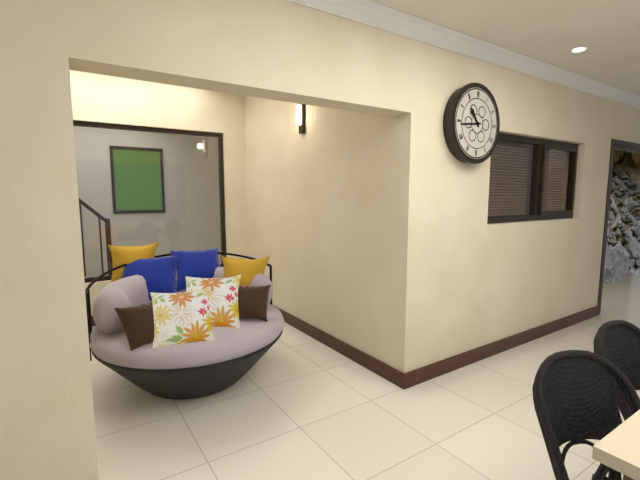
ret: {"hour": 10, "minute": 44}
